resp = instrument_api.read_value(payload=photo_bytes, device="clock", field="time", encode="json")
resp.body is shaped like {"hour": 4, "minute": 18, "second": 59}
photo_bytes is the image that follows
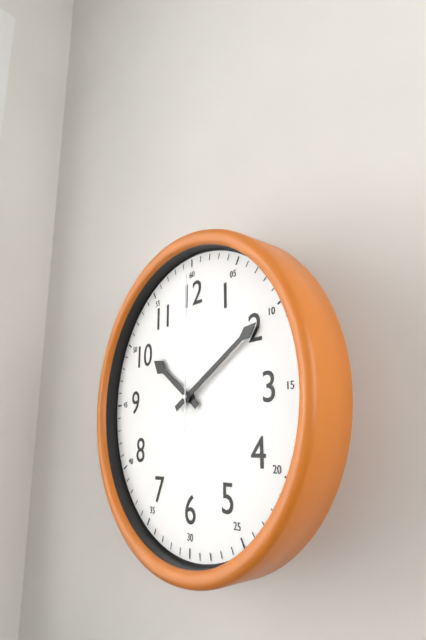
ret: {"hour": 10, "minute": 10, "second": 0}
